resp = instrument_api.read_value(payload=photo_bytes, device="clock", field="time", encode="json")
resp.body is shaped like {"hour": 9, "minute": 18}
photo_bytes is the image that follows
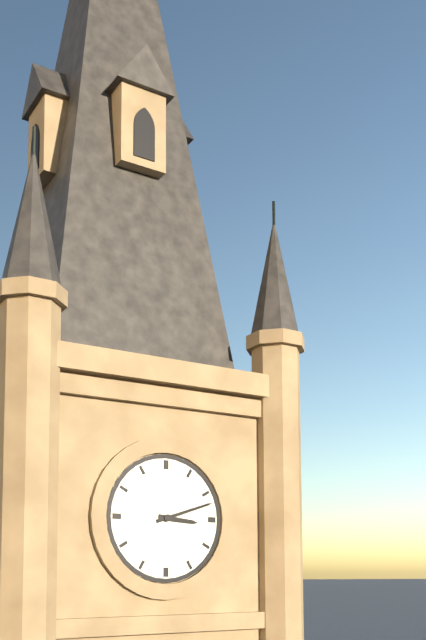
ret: {"hour": 3, "minute": 12}
